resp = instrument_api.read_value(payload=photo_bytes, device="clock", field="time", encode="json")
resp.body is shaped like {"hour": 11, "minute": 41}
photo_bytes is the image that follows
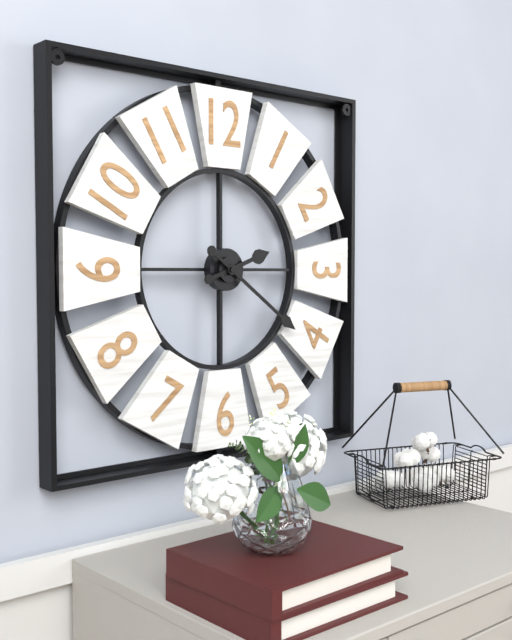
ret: {"hour": 2, "minute": 21}
